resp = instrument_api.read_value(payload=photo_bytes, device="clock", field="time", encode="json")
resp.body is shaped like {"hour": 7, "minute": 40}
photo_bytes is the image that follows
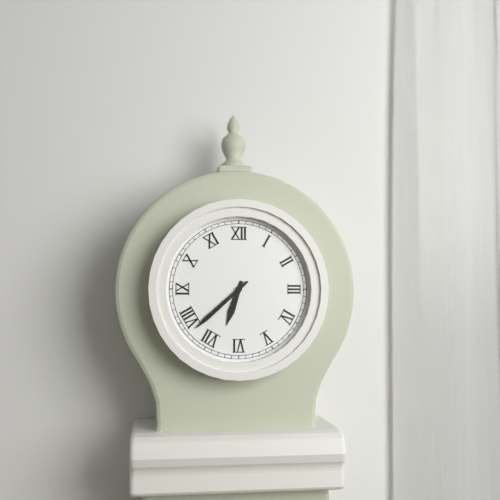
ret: {"hour": 6, "minute": 38}
